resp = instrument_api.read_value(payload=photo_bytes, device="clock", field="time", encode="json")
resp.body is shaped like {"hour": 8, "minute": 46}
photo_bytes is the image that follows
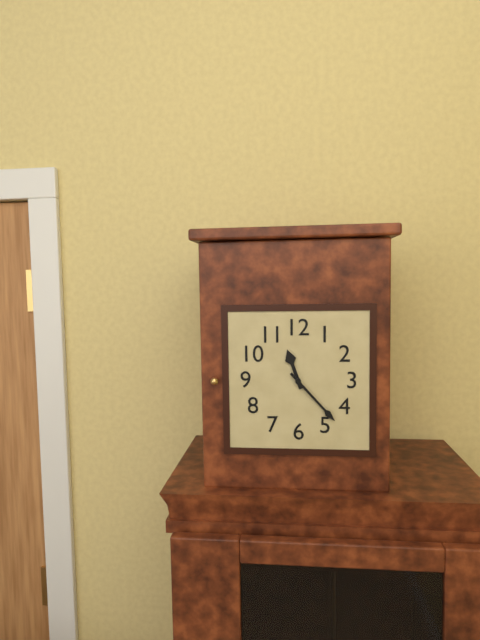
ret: {"hour": 11, "minute": 23}
